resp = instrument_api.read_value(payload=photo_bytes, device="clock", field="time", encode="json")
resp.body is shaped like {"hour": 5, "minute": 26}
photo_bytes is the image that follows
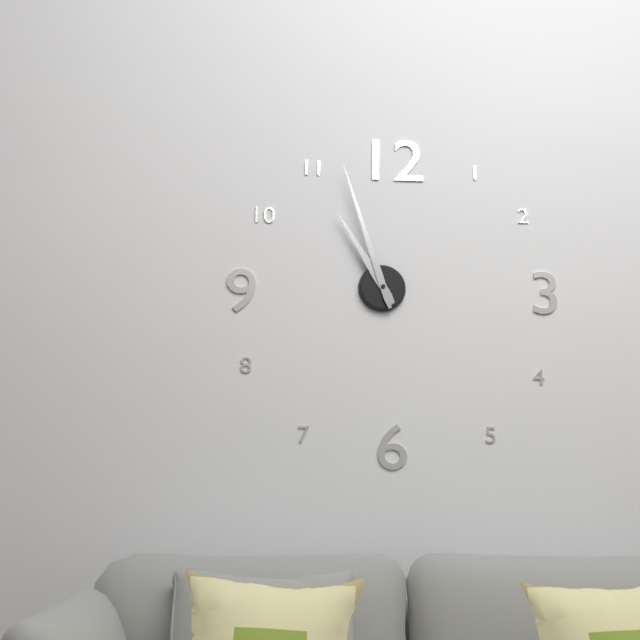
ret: {"hour": 10, "minute": 57}
